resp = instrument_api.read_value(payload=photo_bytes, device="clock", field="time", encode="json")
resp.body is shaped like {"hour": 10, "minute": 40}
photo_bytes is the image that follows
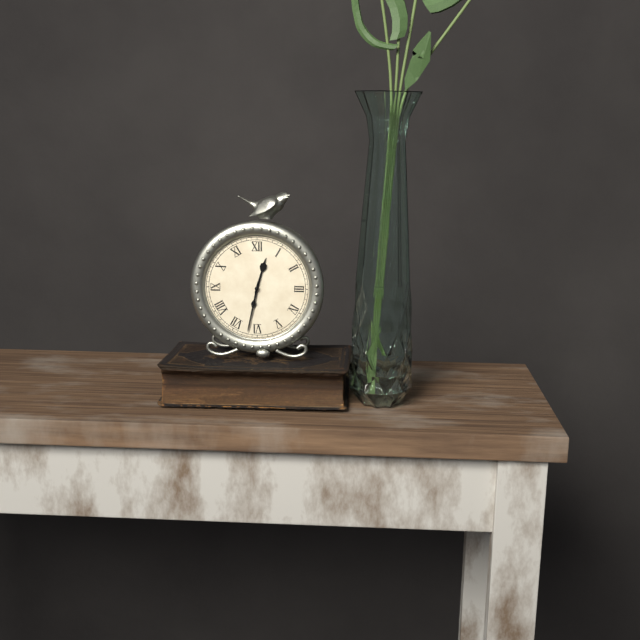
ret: {"hour": 12, "minute": 32}
